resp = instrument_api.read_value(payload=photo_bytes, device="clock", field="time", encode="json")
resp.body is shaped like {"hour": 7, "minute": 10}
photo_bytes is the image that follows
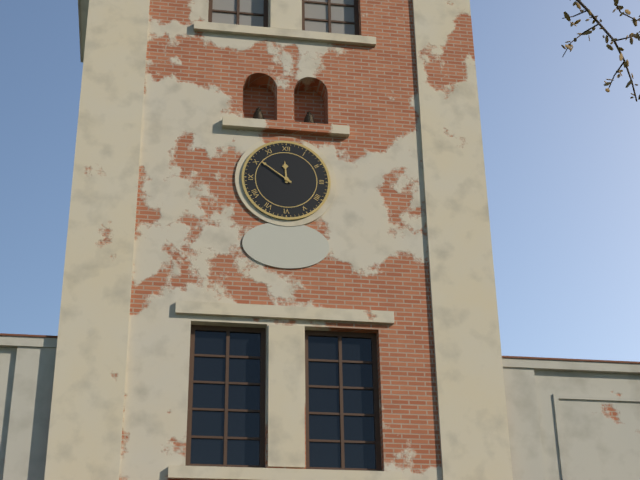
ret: {"hour": 11, "minute": 51}
